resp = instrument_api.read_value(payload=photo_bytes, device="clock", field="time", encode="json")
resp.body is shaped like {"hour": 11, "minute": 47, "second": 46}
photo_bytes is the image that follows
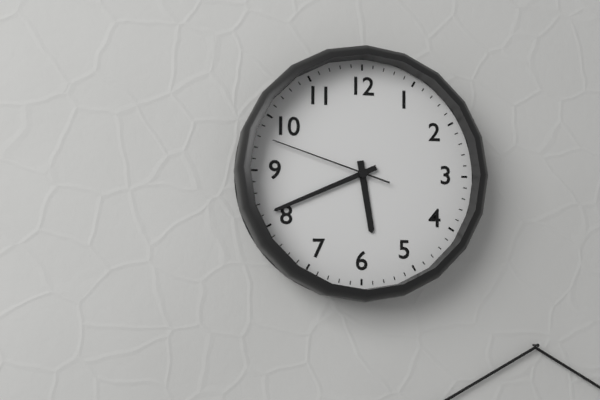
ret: {"hour": 5, "minute": 41, "second": 48}
